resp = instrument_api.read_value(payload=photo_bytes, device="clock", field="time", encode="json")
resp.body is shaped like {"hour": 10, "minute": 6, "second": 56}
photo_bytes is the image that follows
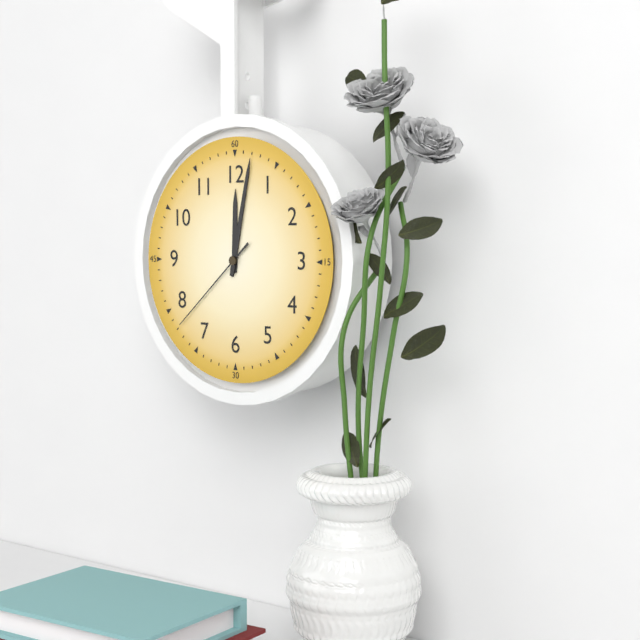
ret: {"hour": 12, "minute": 2, "second": 38}
